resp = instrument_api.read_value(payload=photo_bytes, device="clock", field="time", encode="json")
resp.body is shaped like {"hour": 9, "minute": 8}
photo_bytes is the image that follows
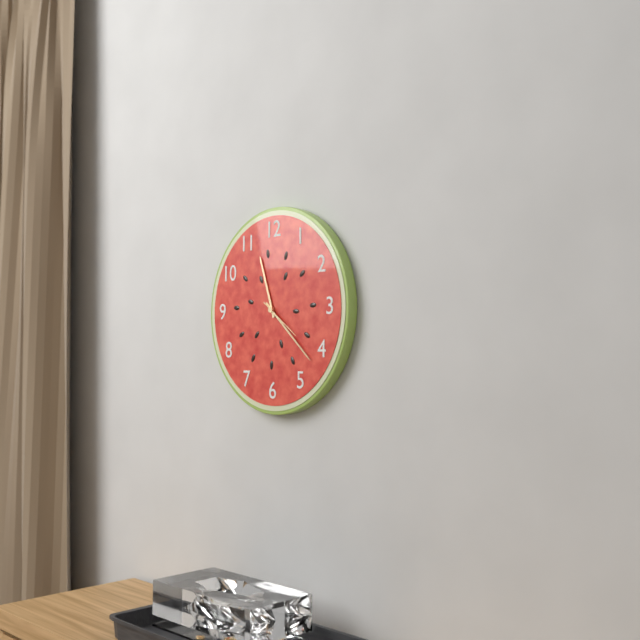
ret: {"hour": 11, "minute": 22}
